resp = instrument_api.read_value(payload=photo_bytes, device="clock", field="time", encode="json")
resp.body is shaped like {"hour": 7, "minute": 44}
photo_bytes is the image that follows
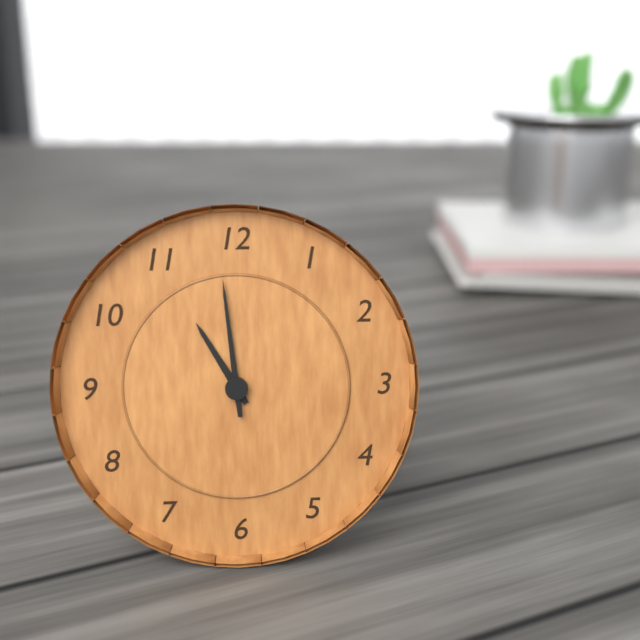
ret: {"hour": 10, "minute": 59}
